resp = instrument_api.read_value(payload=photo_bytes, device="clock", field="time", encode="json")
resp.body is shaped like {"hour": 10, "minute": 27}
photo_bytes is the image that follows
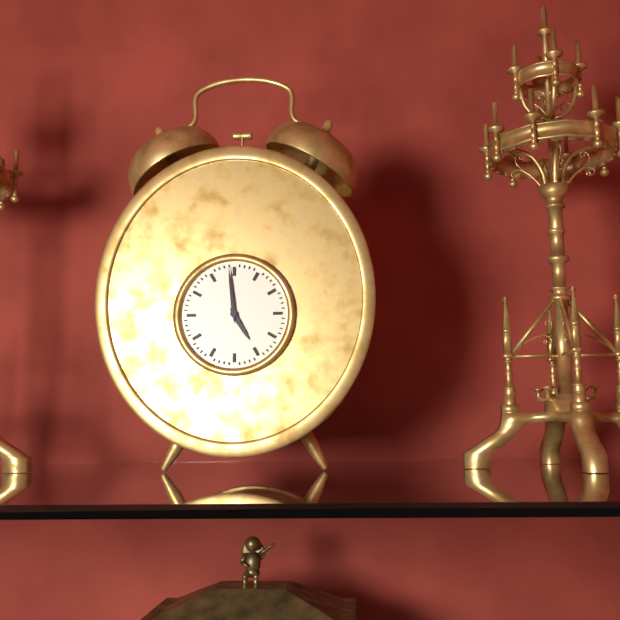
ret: {"hour": 4, "minute": 59}
